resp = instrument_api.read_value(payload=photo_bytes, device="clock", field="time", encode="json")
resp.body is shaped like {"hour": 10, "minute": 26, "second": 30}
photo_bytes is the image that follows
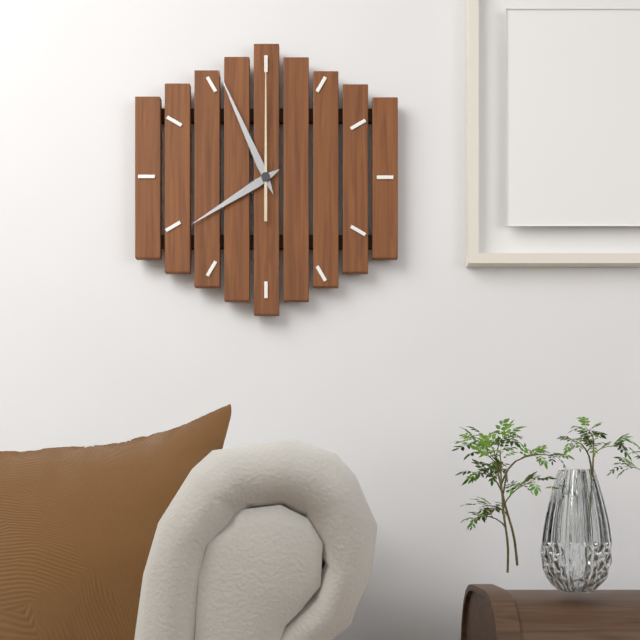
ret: {"hour": 7, "minute": 56, "second": 0}
